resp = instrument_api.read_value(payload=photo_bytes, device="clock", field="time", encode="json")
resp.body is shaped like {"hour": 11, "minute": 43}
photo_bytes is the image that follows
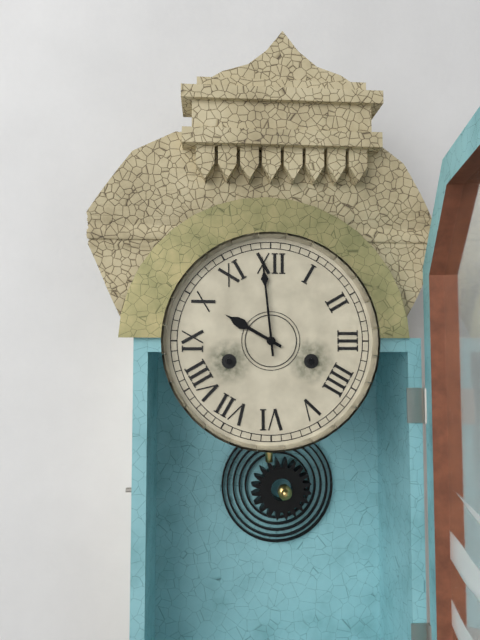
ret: {"hour": 9, "minute": 59}
